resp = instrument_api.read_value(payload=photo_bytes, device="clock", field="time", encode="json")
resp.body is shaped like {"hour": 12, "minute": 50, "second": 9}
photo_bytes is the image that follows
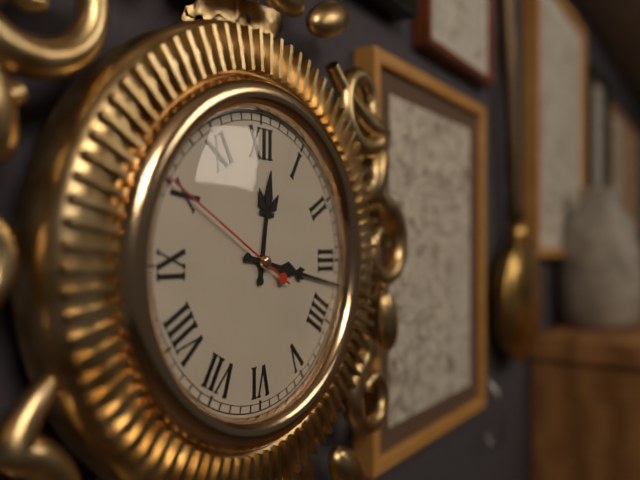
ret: {"hour": 12, "minute": 17, "second": 50}
